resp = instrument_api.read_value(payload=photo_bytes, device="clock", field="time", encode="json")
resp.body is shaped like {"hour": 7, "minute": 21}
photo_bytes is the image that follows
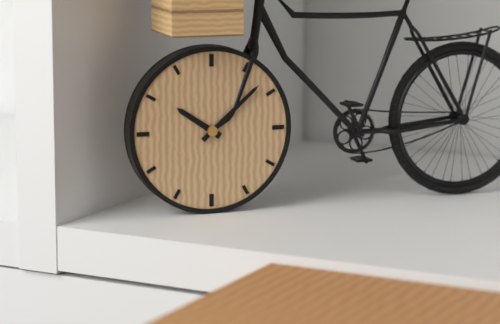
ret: {"hour": 10, "minute": 8}
